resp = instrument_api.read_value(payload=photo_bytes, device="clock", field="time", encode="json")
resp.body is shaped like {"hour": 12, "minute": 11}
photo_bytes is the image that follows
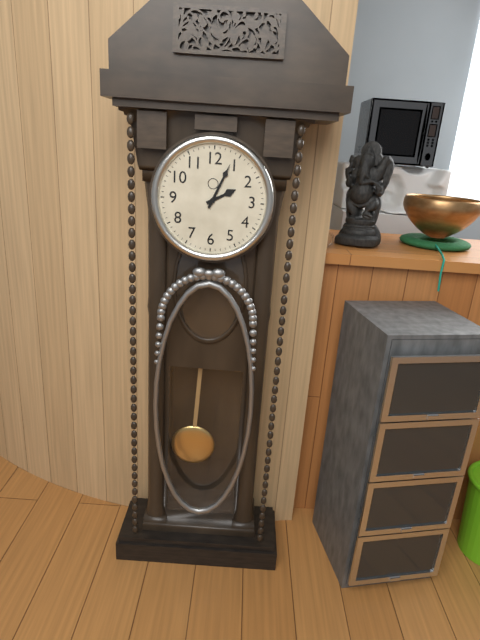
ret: {"hour": 2, "minute": 4}
